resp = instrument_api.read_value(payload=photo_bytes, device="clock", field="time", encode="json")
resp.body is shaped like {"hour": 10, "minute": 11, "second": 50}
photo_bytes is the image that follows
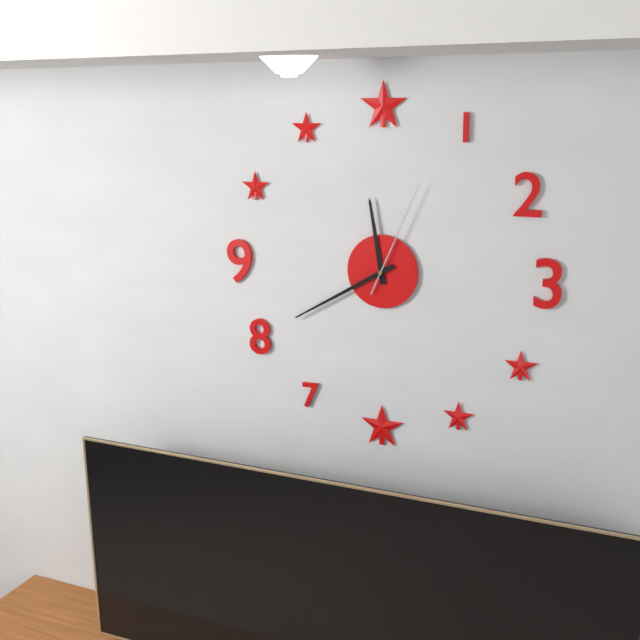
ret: {"hour": 11, "minute": 40, "second": 4}
